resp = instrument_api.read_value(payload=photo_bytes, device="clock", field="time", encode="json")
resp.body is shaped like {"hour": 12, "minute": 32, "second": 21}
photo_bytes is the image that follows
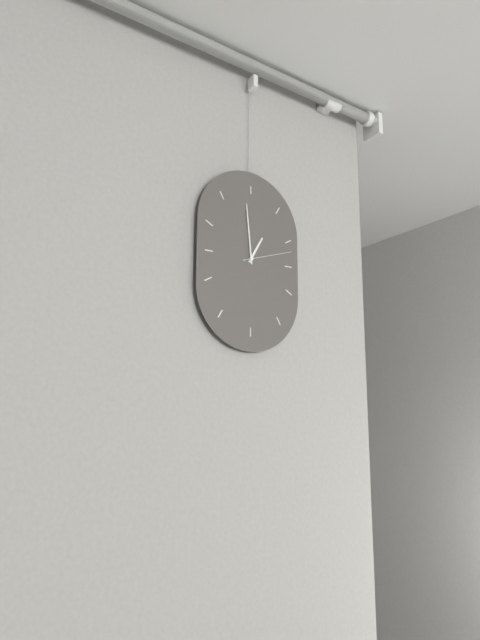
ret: {"hour": 12, "minute": 59, "second": 12}
